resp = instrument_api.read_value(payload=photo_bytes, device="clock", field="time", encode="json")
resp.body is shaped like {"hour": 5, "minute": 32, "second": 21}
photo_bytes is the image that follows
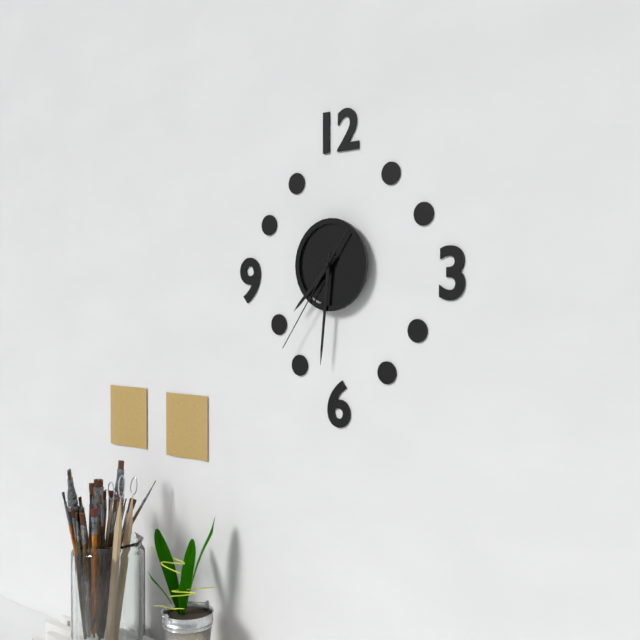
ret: {"hour": 7, "minute": 31, "second": 36}
